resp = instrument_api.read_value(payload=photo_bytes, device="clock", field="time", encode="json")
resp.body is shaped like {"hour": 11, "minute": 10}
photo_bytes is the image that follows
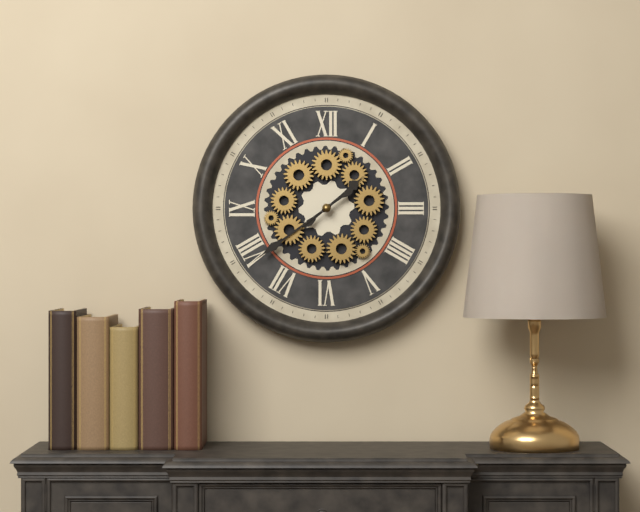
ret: {"hour": 1, "minute": 39}
